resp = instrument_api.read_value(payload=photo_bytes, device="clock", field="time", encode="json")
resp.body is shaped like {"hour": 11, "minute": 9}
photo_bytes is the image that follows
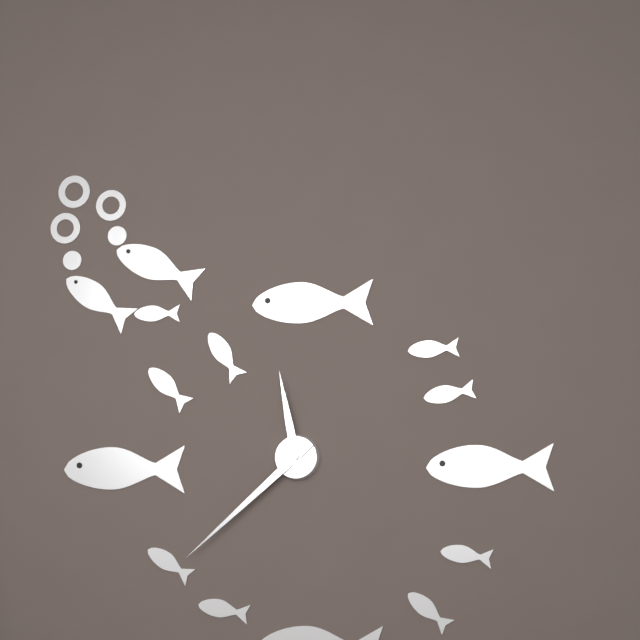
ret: {"hour": 11, "minute": 38}
